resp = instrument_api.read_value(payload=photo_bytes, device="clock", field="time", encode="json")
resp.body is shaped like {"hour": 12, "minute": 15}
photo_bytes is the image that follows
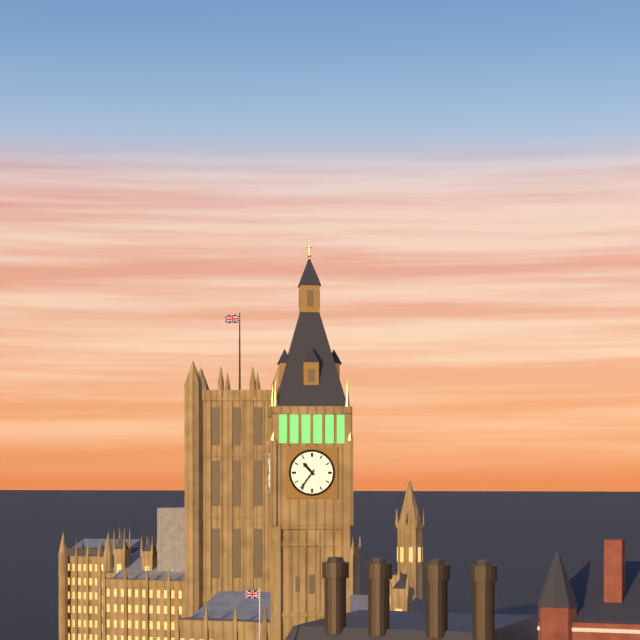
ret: {"hour": 10, "minute": 36}
